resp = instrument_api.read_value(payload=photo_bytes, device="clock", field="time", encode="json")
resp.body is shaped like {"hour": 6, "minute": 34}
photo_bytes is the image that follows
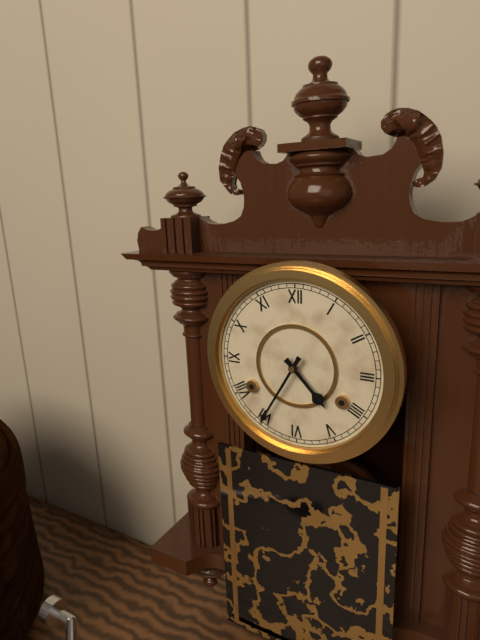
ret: {"hour": 4, "minute": 35}
